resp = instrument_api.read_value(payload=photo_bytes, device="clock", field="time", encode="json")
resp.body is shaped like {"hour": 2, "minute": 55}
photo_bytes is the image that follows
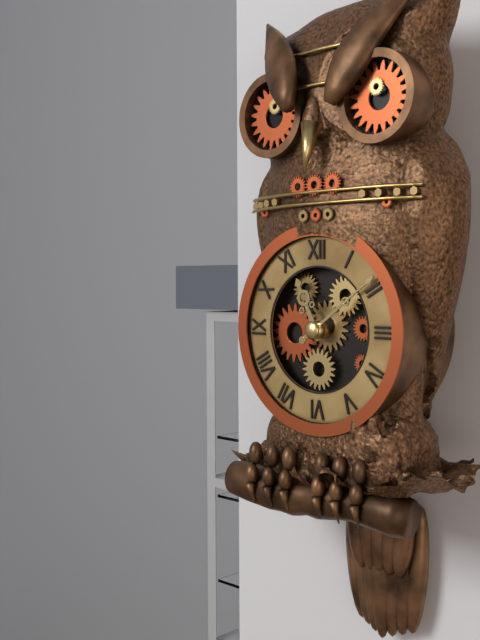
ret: {"hour": 11, "minute": 9}
